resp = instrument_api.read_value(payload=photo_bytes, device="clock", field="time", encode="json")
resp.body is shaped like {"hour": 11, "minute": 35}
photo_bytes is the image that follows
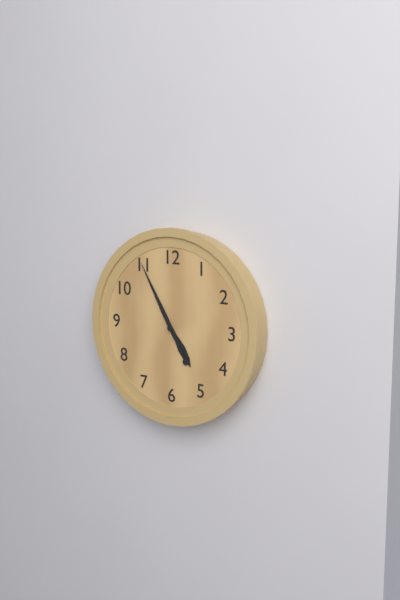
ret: {"hour": 4, "minute": 55}
